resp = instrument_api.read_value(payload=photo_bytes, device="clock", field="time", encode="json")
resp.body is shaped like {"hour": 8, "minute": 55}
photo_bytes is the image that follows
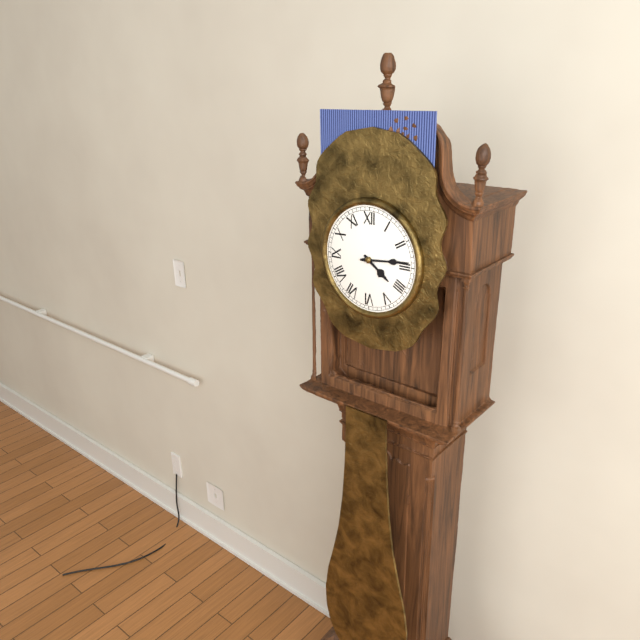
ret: {"hour": 4, "minute": 14}
